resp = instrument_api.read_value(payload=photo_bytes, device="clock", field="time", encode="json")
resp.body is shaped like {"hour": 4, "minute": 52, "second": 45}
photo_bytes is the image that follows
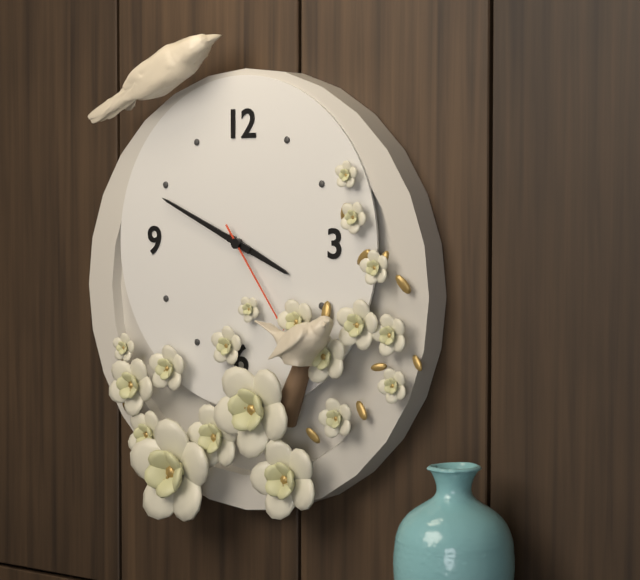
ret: {"hour": 3, "minute": 49, "second": 24}
